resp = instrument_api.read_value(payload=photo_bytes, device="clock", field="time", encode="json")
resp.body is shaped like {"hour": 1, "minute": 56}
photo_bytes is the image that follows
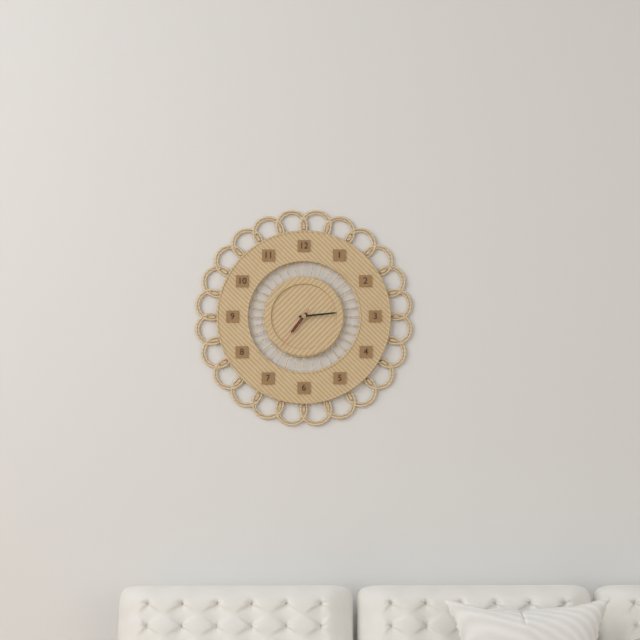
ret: {"hour": 7, "minute": 14}
